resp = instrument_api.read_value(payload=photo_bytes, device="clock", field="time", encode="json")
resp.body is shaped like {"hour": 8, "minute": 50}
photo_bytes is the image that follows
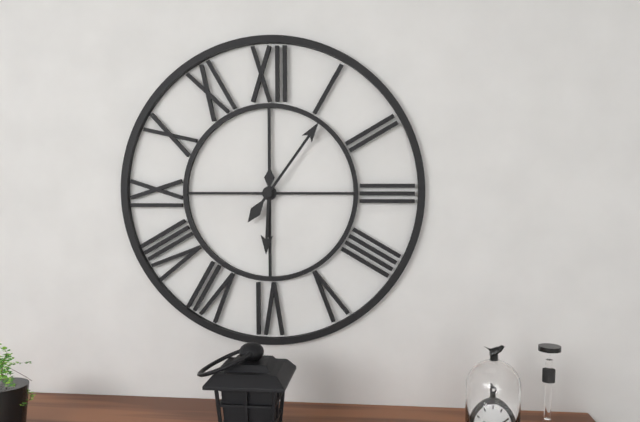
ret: {"hour": 6, "minute": 6}
